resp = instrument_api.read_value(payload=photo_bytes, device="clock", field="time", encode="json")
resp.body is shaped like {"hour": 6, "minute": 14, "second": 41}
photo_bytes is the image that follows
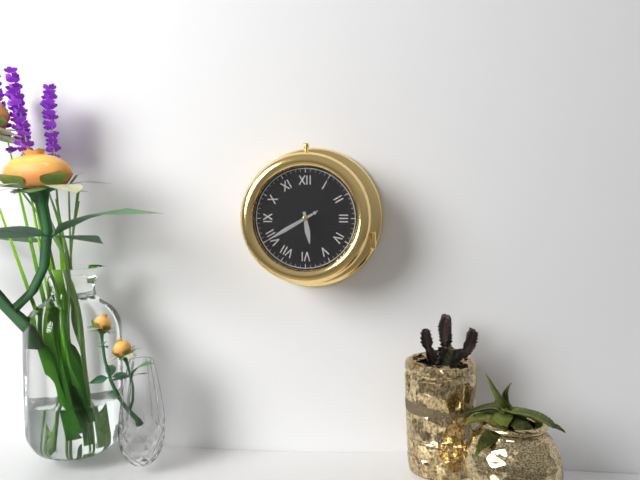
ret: {"hour": 5, "minute": 40, "second": 40}
